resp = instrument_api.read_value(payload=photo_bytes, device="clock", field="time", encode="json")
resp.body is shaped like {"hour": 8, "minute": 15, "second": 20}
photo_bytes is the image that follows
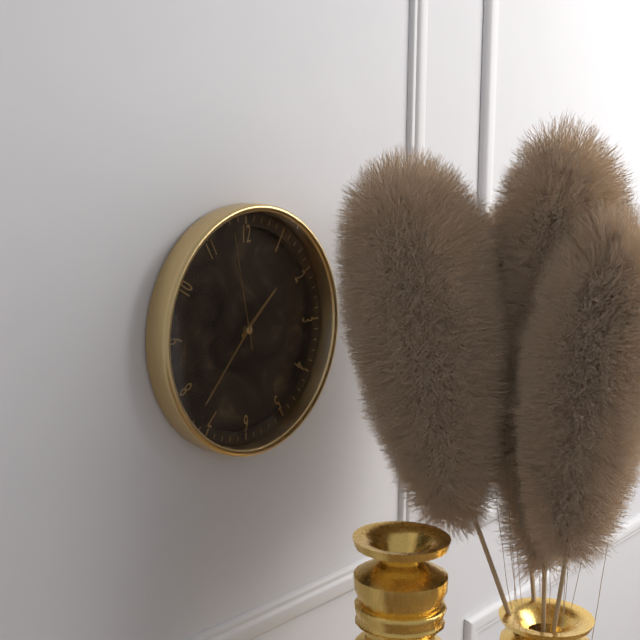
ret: {"hour": 1, "minute": 37, "second": 58}
